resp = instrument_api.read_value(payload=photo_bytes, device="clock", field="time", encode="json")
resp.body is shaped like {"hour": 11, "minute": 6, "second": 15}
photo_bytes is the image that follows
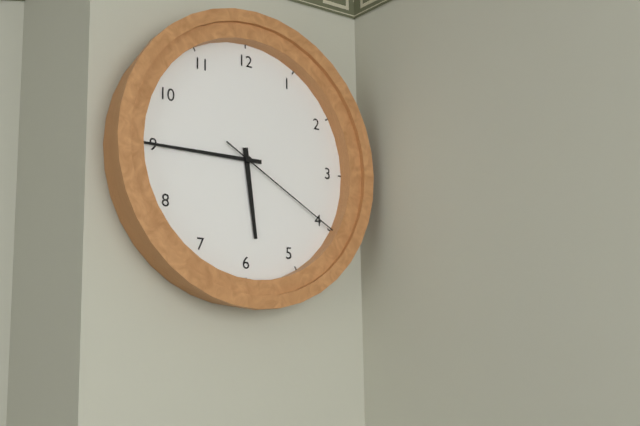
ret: {"hour": 5, "minute": 45, "second": 20}
